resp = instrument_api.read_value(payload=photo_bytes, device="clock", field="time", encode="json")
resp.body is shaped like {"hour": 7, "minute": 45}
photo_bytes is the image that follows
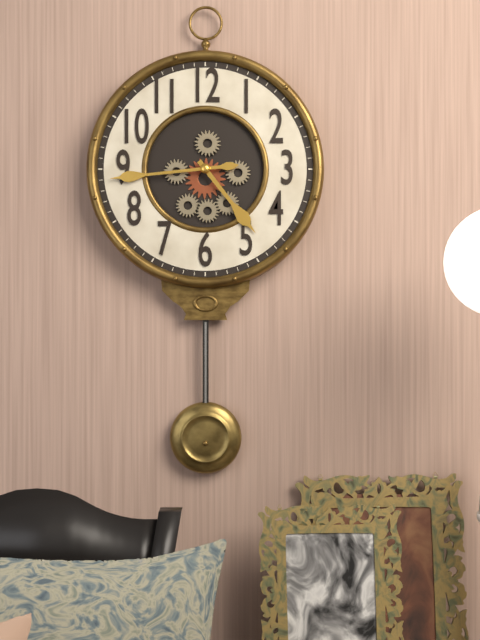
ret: {"hour": 4, "minute": 44}
